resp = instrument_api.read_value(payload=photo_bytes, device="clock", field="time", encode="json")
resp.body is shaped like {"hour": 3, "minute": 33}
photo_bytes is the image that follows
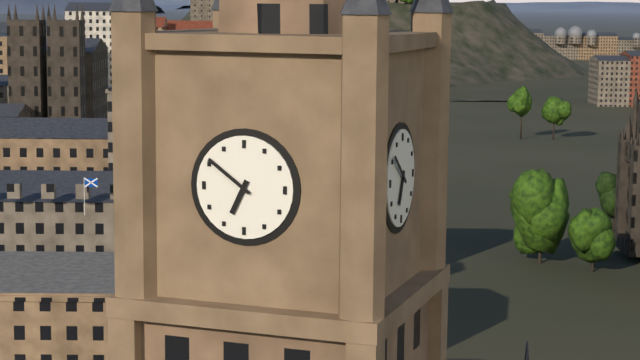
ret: {"hour": 6, "minute": 51}
